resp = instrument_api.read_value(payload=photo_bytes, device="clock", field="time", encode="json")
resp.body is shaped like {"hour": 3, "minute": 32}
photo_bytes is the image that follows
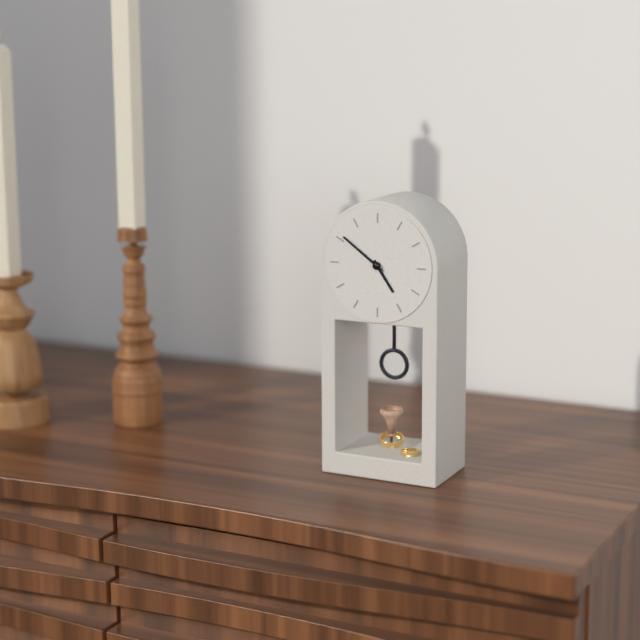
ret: {"hour": 4, "minute": 51}
